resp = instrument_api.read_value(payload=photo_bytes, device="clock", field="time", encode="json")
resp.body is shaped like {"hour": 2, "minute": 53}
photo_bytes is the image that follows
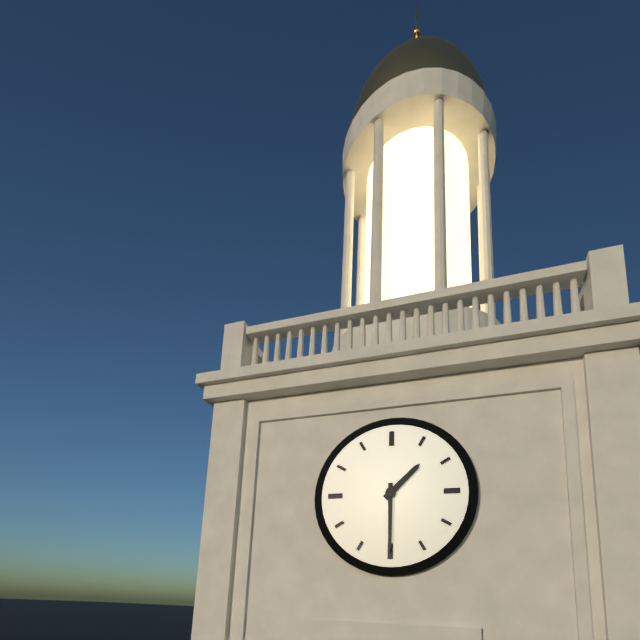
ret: {"hour": 1, "minute": 30}
